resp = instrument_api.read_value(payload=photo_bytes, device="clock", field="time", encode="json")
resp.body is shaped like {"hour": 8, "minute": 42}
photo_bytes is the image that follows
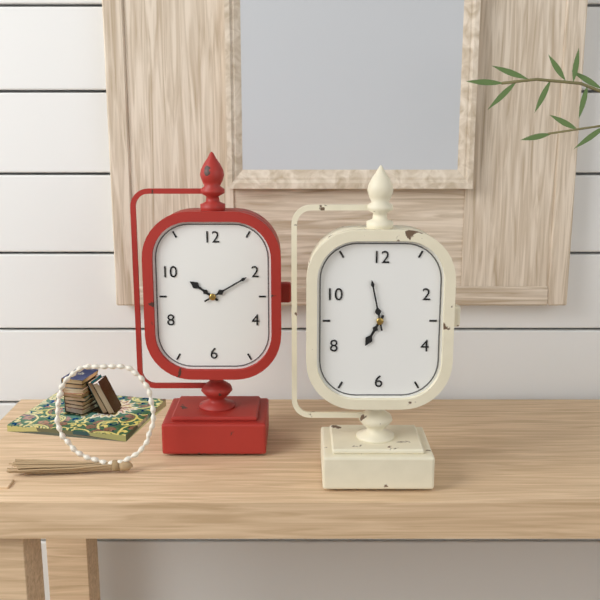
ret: {"hour": 6, "minute": 58}
